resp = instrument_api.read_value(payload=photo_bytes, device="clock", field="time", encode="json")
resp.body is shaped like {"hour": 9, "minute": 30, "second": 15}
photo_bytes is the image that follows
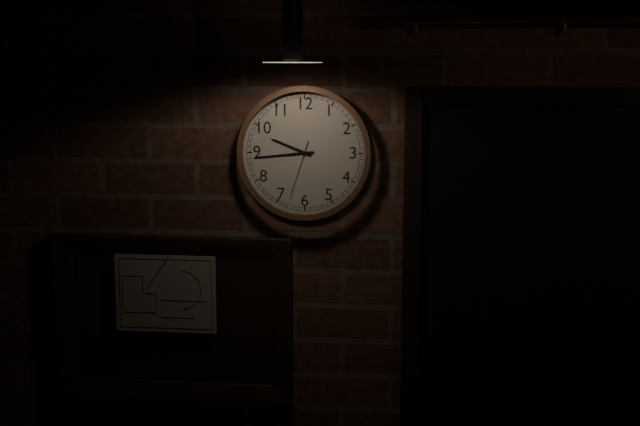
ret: {"hour": 9, "minute": 44, "second": 33}
